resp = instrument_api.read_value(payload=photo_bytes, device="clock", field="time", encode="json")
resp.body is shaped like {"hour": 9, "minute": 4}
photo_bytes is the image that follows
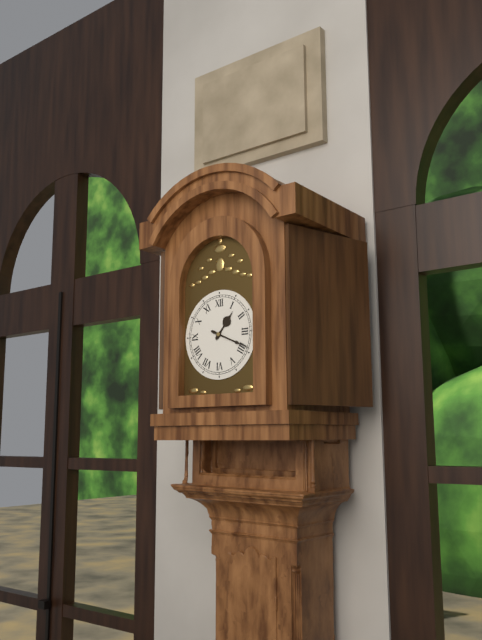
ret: {"hour": 1, "minute": 19}
